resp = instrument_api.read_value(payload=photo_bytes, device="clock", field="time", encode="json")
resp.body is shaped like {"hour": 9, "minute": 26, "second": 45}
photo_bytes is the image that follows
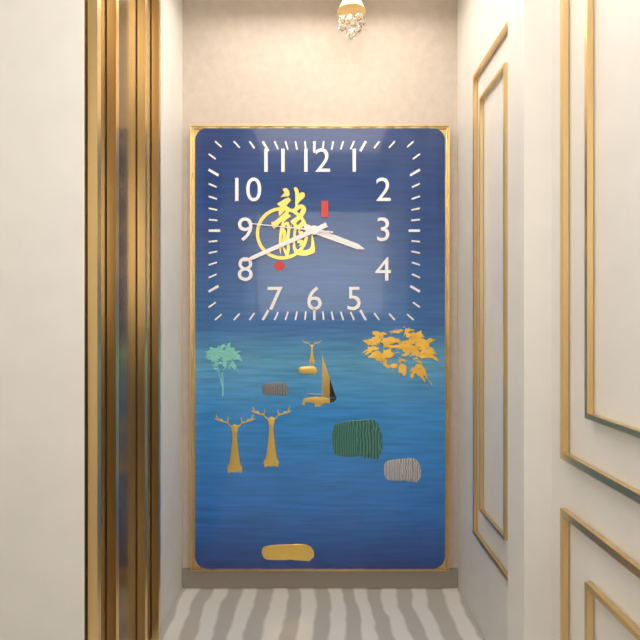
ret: {"hour": 3, "minute": 41, "second": 46}
